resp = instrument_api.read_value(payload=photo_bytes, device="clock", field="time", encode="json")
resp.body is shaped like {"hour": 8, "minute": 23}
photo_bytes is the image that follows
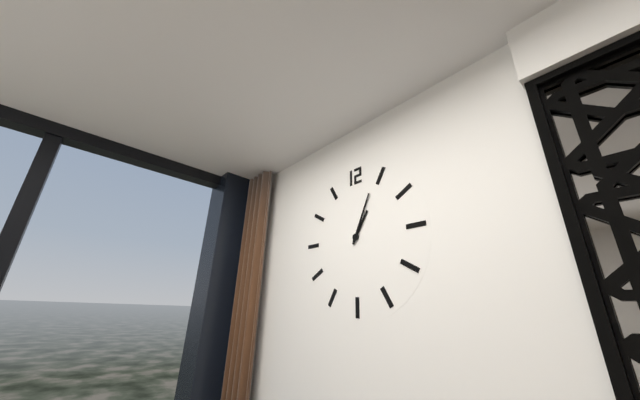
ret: {"hour": 1, "minute": 4}
